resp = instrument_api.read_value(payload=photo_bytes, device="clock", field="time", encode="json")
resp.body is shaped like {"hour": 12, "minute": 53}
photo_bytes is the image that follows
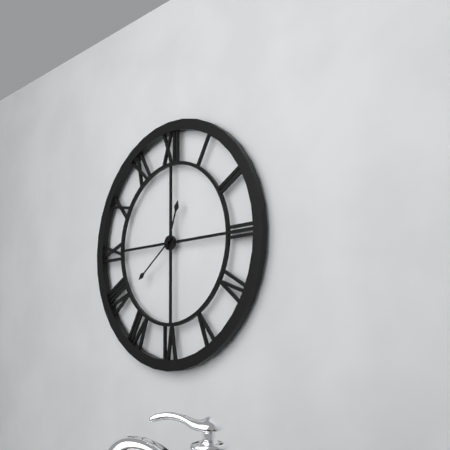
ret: {"hour": 12, "minute": 39}
